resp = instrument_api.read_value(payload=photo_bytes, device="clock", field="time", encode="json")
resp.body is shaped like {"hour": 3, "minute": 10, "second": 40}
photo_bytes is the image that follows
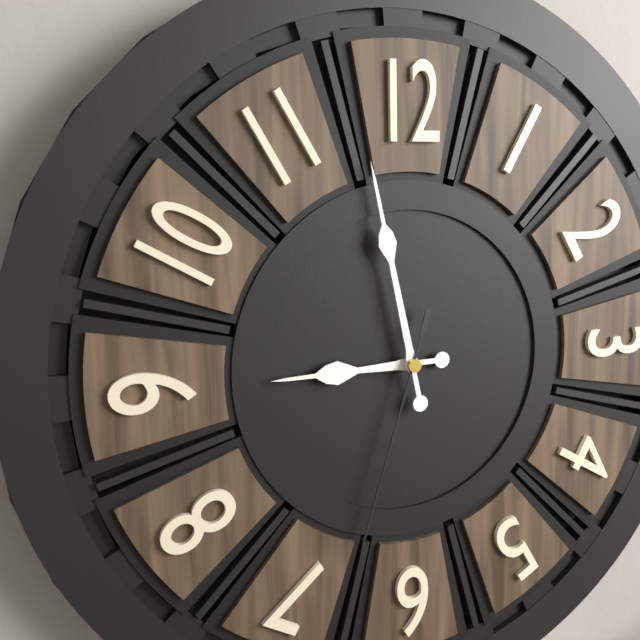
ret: {"hour": 8, "minute": 58, "second": 33}
